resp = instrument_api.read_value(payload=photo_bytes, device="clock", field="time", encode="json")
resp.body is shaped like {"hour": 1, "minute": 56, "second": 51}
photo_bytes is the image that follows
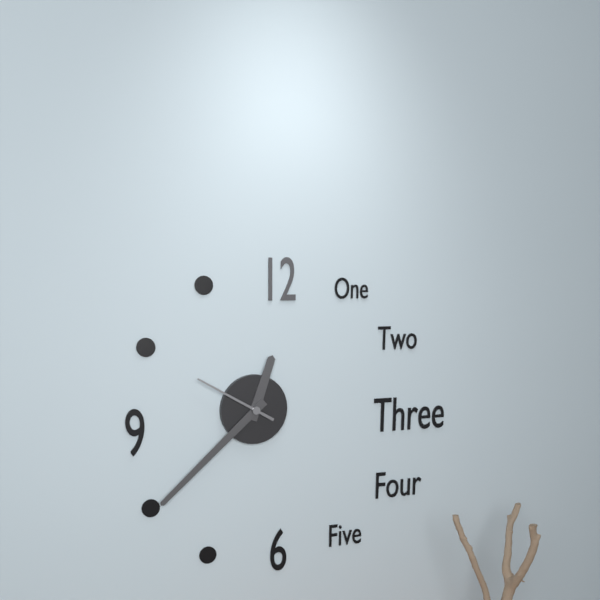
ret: {"hour": 12, "minute": 38, "second": 50}
